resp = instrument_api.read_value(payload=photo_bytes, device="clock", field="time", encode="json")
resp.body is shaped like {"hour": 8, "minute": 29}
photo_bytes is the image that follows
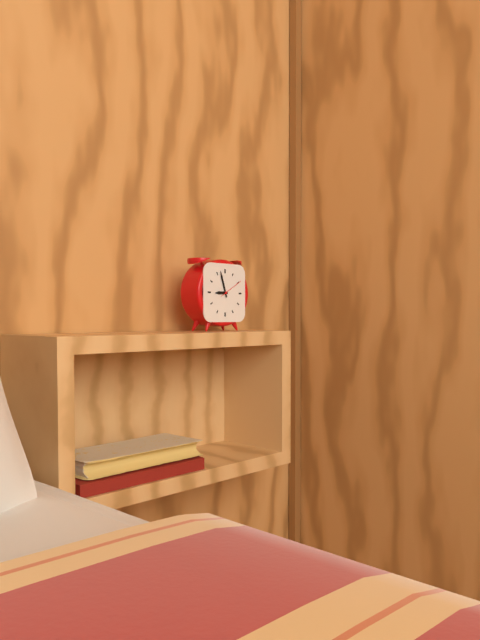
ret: {"hour": 8, "minute": 57}
